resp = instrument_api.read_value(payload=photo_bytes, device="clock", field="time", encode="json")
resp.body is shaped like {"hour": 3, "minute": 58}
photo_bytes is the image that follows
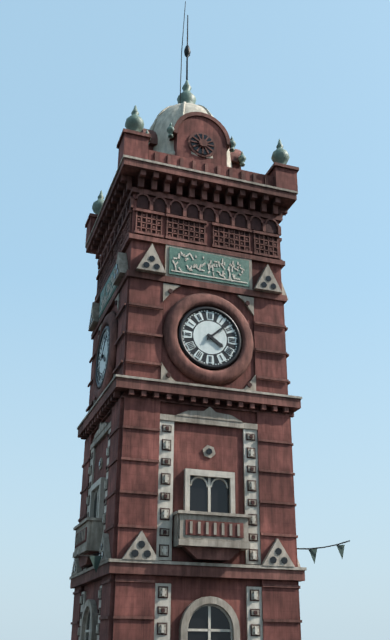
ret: {"hour": 4, "minute": 8}
